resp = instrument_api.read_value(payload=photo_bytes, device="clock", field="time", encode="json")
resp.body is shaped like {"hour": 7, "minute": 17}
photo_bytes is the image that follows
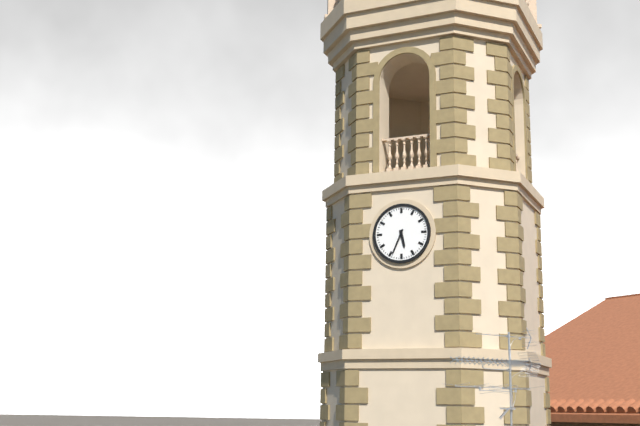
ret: {"hour": 5, "minute": 34}
